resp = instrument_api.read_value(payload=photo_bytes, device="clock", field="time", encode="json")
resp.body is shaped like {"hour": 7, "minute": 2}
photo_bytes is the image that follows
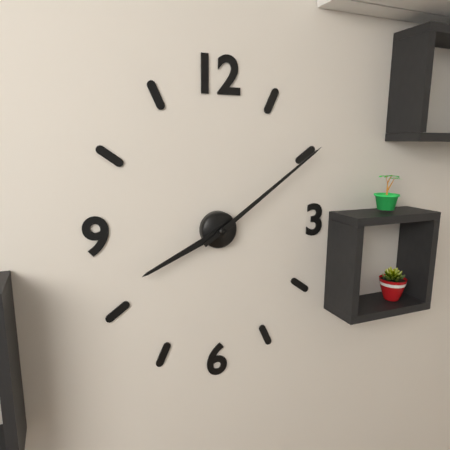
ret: {"hour": 8, "minute": 9}
